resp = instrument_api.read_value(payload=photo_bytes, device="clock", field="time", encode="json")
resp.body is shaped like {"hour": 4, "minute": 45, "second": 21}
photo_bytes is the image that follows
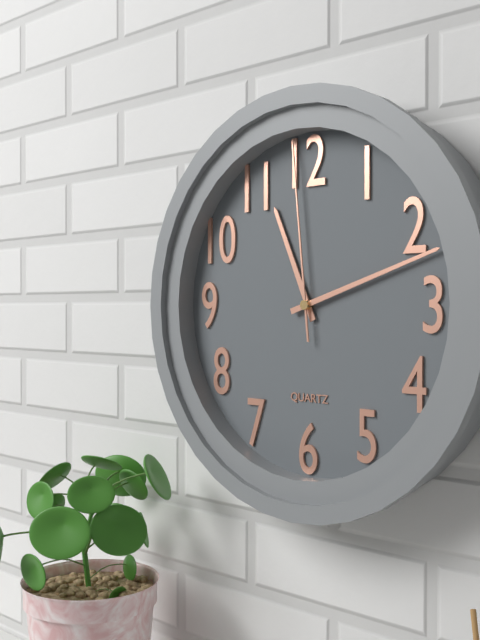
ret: {"hour": 11, "minute": 12, "second": 59}
